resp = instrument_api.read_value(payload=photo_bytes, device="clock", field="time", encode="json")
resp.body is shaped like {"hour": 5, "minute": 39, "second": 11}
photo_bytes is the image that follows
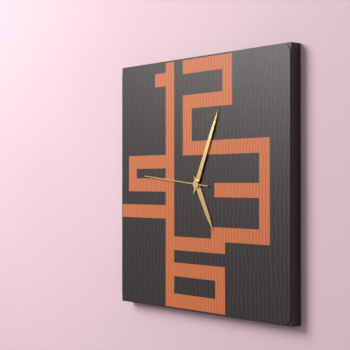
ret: {"hour": 5, "minute": 4, "second": 46}
